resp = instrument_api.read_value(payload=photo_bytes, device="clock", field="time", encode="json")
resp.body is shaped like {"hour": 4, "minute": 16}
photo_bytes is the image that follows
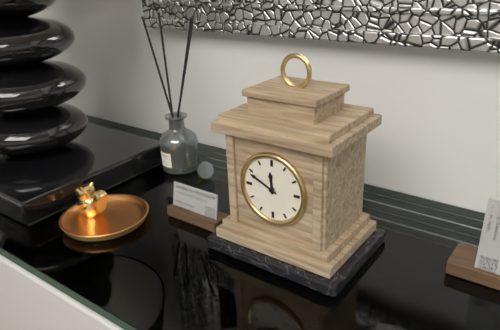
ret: {"hour": 11, "minute": 49}
